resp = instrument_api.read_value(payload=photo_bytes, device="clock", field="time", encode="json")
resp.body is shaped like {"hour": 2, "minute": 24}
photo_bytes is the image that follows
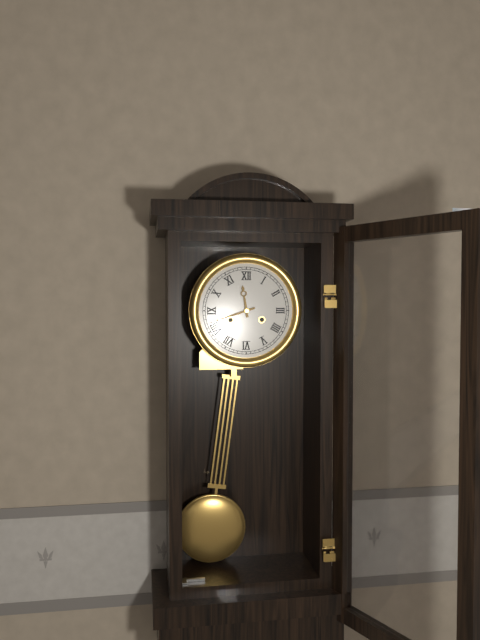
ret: {"hour": 11, "minute": 42}
